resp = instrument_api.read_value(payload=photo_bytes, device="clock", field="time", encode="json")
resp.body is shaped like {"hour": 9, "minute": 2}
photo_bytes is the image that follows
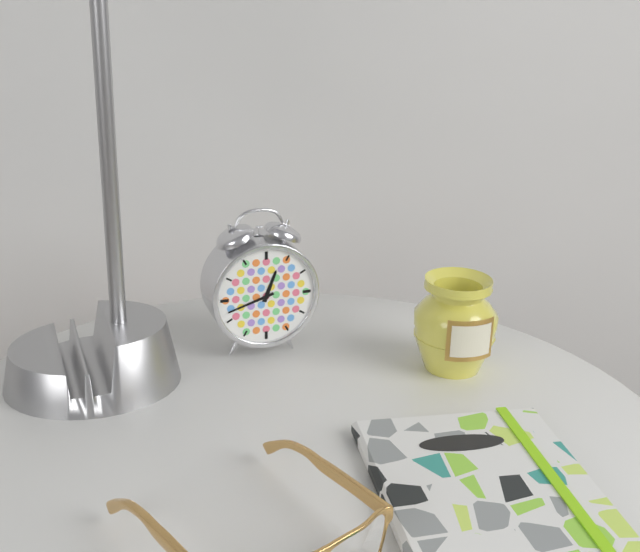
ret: {"hour": 12, "minute": 42}
